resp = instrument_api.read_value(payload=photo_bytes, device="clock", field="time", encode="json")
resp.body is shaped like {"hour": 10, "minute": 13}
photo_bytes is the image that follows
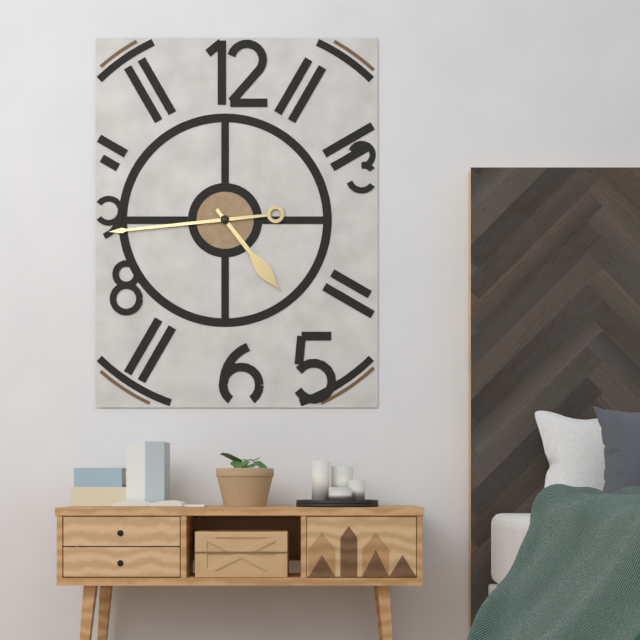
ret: {"hour": 4, "minute": 44}
